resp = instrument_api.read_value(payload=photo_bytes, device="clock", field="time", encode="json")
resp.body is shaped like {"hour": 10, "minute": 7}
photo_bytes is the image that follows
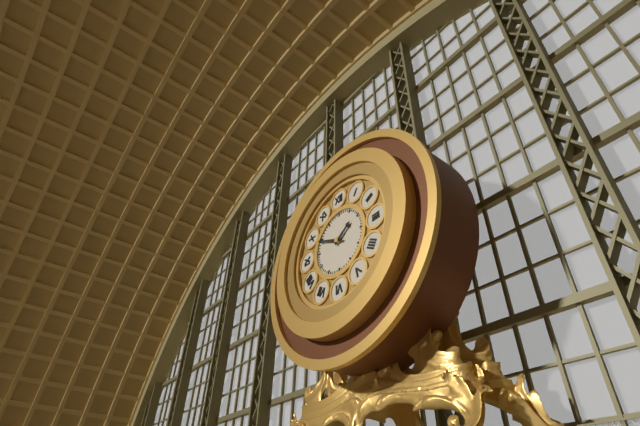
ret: {"hour": 1, "minute": 49}
